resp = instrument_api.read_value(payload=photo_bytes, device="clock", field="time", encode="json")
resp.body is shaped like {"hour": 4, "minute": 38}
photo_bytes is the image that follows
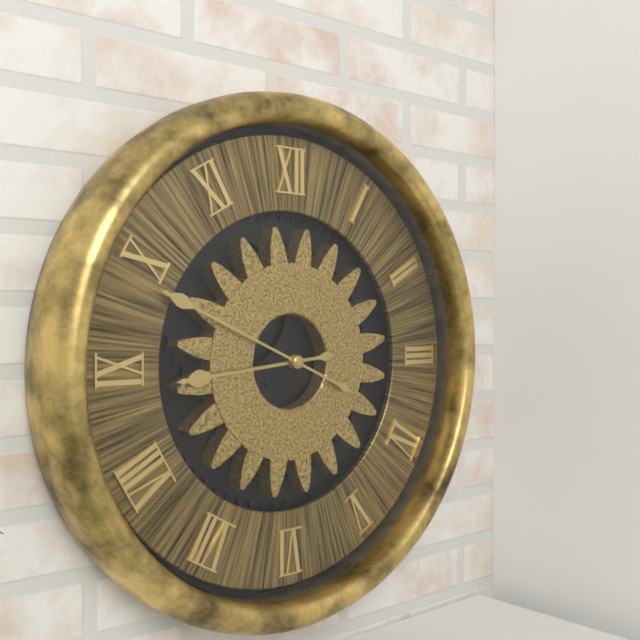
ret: {"hour": 8, "minute": 49}
